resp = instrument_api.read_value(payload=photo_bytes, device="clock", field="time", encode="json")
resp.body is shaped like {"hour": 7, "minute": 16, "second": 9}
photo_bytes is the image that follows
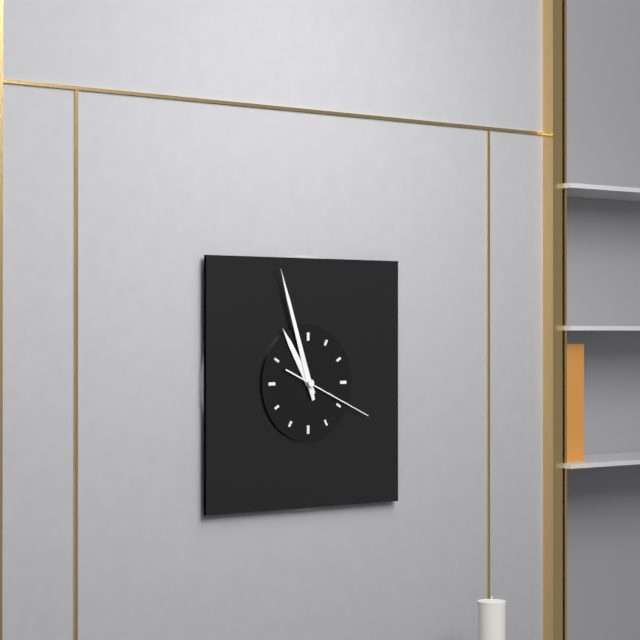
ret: {"hour": 10, "minute": 57, "second": 19}
